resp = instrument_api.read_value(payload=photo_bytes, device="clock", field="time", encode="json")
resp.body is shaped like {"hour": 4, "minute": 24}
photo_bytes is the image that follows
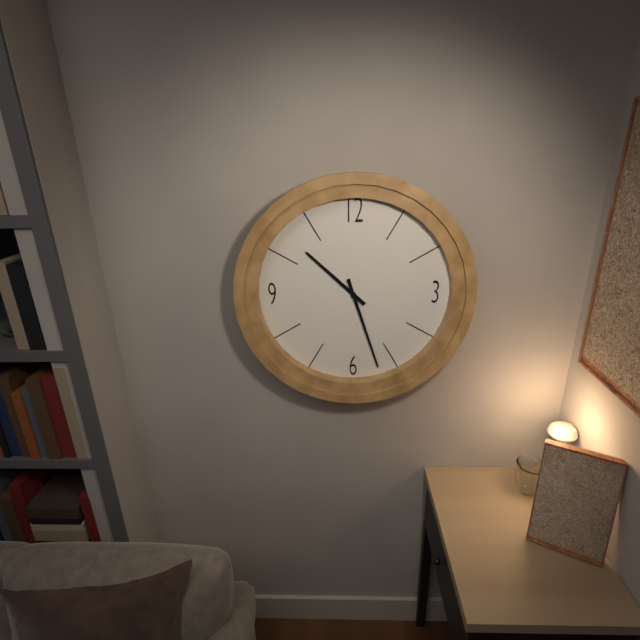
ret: {"hour": 10, "minute": 27}
